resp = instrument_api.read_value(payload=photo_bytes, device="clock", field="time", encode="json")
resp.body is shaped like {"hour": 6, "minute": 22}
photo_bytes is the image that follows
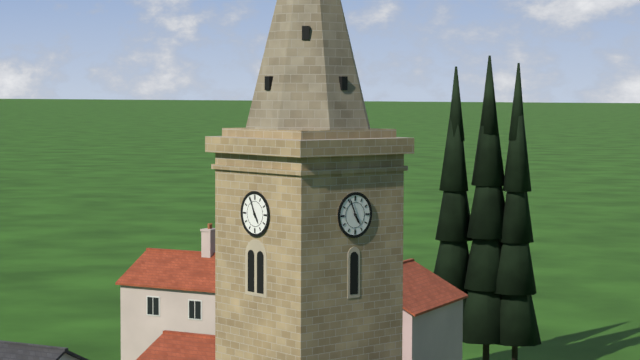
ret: {"hour": 4, "minute": 56}
